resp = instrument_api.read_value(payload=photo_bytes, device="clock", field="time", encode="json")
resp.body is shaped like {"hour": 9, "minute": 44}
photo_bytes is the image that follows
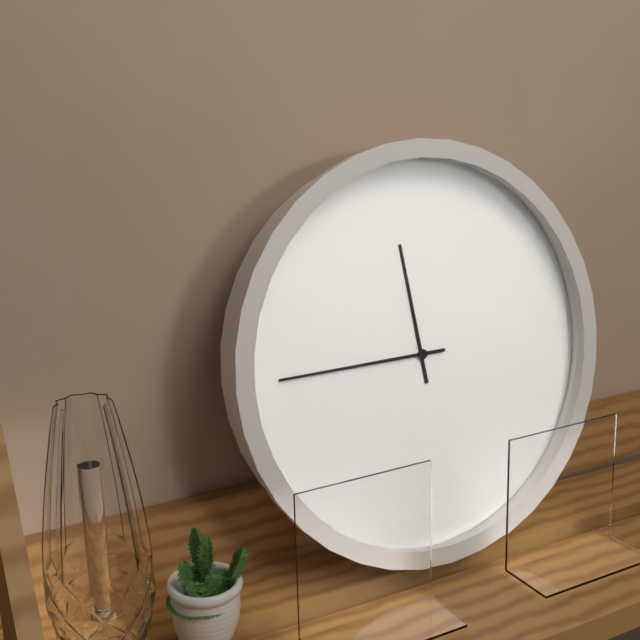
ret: {"hour": 11, "minute": 45}
